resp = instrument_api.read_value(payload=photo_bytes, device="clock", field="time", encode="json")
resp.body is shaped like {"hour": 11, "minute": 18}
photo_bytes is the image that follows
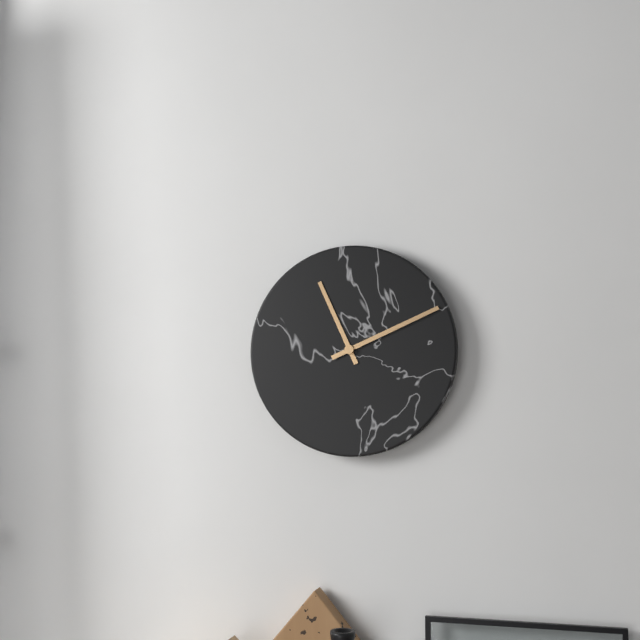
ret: {"hour": 11, "minute": 11}
